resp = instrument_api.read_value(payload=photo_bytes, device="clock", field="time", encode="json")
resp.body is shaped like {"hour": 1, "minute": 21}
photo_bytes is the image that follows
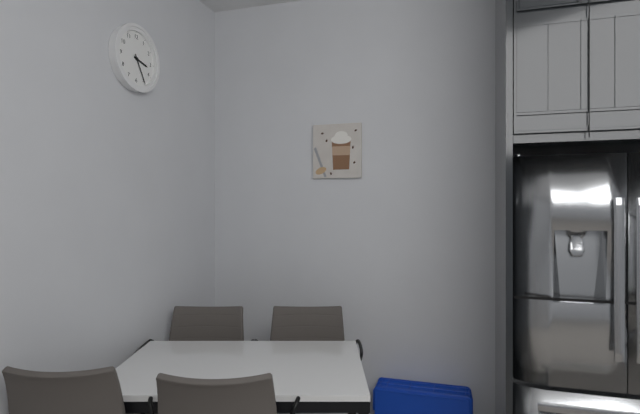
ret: {"hour": 3, "minute": 25}
